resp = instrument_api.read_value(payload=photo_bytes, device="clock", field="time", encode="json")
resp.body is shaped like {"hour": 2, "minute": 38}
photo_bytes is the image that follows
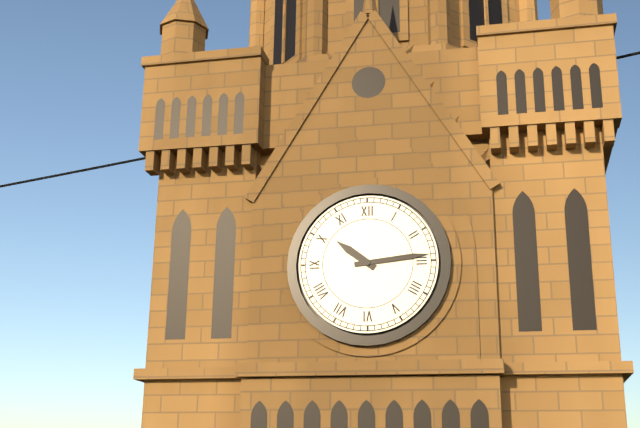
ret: {"hour": 10, "minute": 14}
